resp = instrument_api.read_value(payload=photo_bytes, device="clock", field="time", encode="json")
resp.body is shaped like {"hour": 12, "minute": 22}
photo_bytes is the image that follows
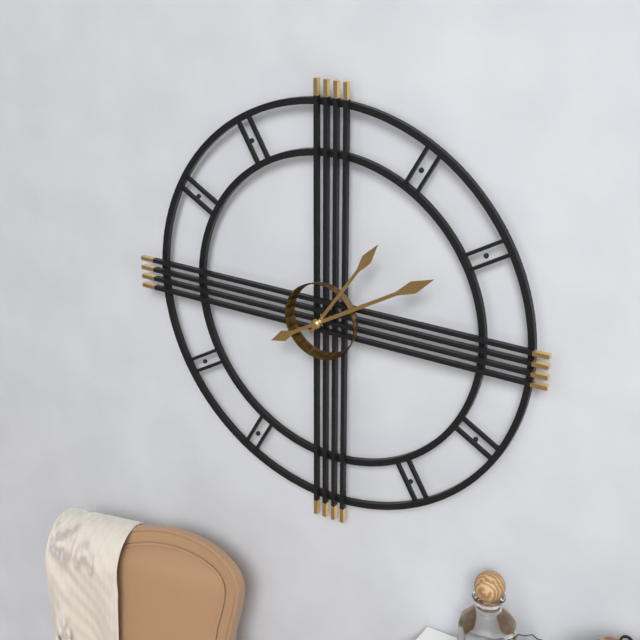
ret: {"hour": 1, "minute": 10}
